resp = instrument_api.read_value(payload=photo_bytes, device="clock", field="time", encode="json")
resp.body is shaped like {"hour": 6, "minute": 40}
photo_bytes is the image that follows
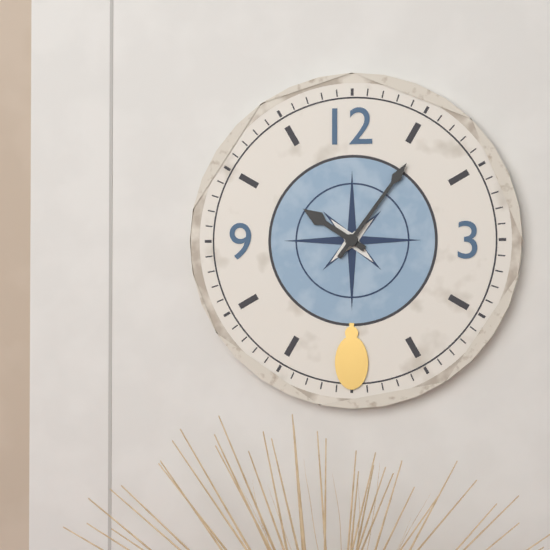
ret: {"hour": 10, "minute": 6}
